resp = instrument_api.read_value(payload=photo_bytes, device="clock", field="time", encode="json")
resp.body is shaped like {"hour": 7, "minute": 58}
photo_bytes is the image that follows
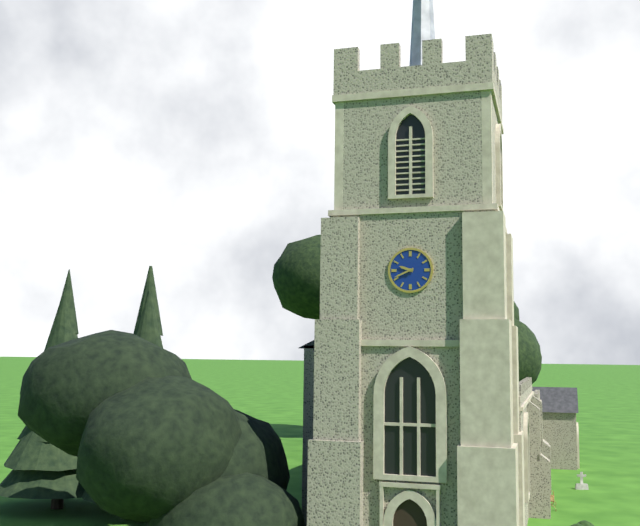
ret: {"hour": 9, "minute": 41}
